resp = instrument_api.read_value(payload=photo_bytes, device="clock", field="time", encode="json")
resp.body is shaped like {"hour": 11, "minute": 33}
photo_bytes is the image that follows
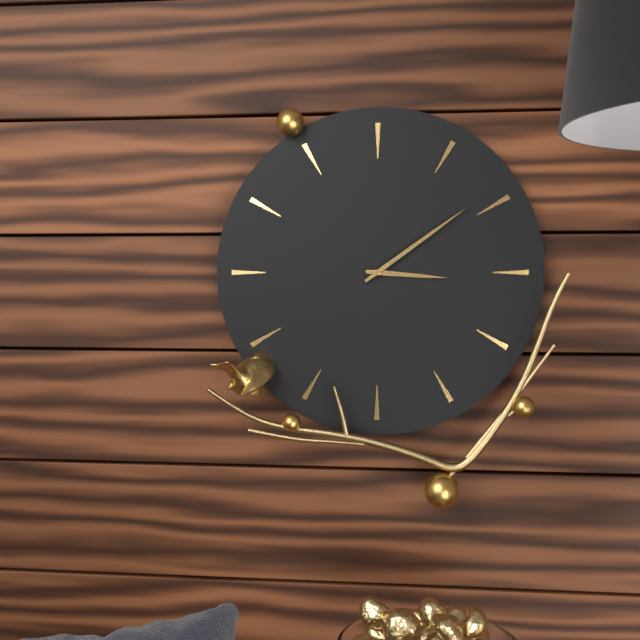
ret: {"hour": 3, "minute": 9}
